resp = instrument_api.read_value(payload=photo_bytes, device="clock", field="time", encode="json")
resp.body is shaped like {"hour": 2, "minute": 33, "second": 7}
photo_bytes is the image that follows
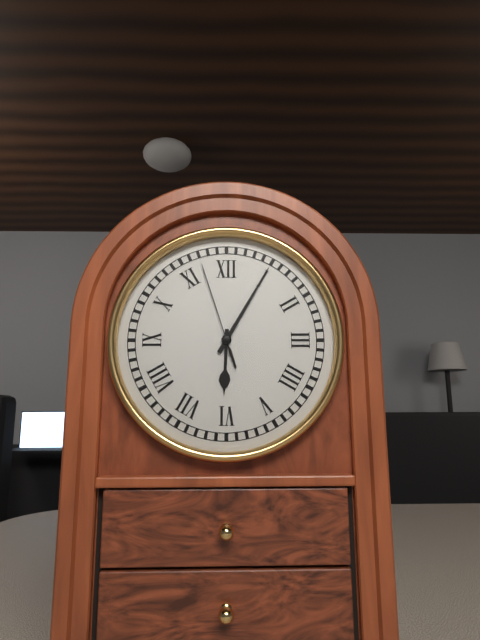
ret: {"hour": 6, "minute": 5, "second": 57}
